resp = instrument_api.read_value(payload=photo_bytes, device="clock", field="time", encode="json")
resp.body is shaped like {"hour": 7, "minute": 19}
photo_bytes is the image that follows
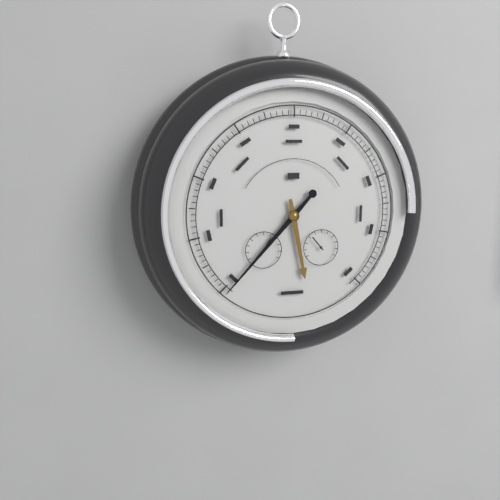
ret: {"hour": 5, "minute": 37}
